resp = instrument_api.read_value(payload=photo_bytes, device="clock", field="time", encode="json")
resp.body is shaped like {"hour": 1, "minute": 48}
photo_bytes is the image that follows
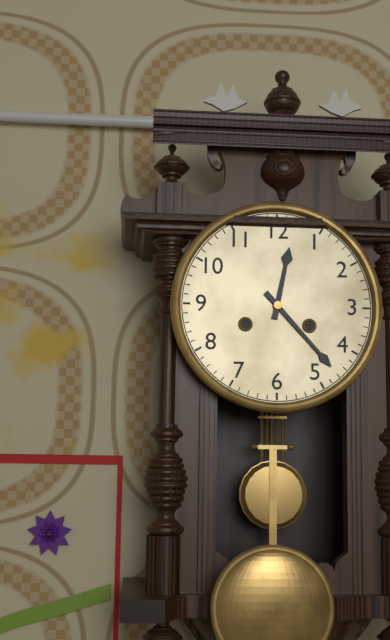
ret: {"hour": 12, "minute": 23}
